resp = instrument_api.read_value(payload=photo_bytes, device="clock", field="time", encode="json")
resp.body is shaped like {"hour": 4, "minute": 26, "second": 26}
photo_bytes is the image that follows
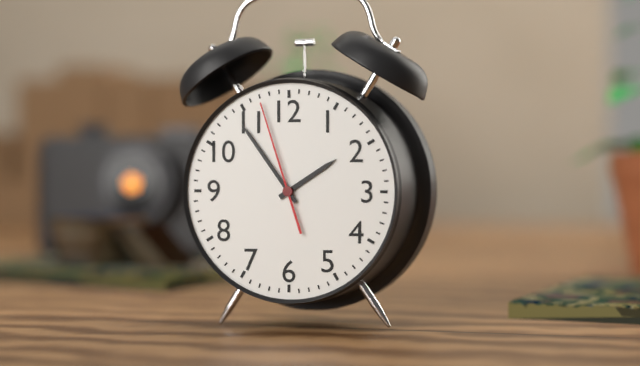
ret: {"hour": 1, "minute": 54, "second": 57}
